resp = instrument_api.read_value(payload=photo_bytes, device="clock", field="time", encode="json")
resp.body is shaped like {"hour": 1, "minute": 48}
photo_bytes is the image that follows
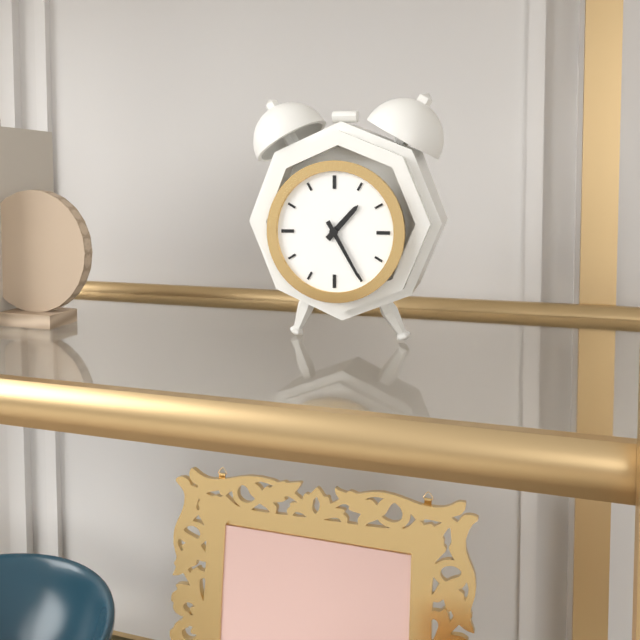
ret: {"hour": 1, "minute": 25}
